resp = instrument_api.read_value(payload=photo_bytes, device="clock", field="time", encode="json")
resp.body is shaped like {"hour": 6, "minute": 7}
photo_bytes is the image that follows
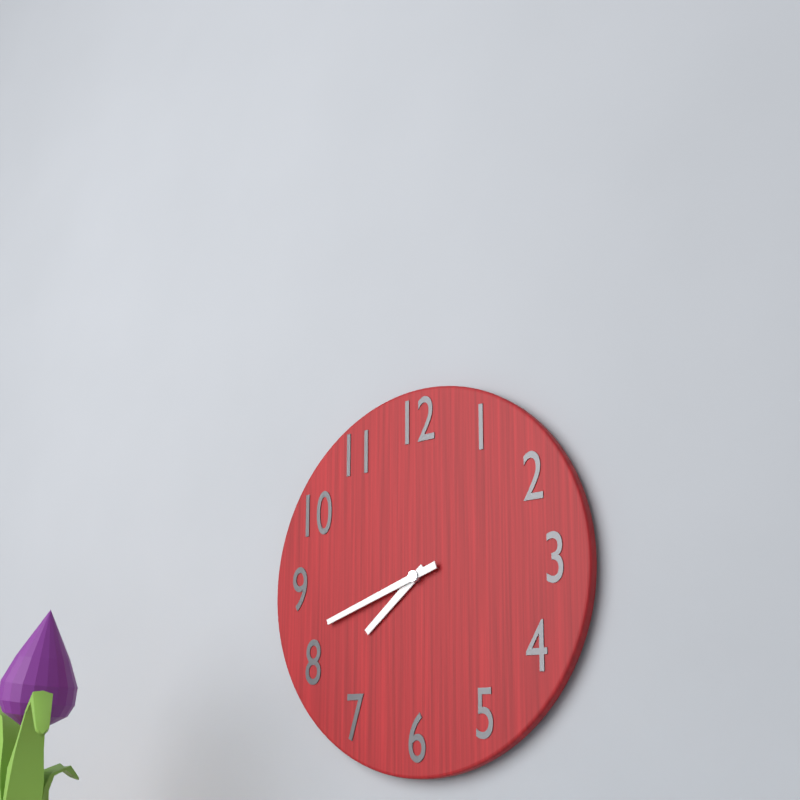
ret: {"hour": 7, "minute": 42}
